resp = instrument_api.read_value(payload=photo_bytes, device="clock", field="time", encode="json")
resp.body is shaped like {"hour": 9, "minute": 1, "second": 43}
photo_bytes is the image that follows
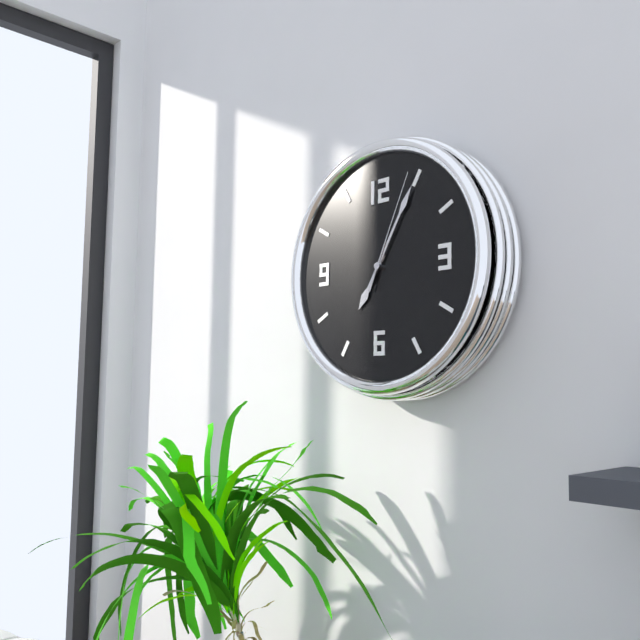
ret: {"hour": 7, "minute": 5, "second": 4}
